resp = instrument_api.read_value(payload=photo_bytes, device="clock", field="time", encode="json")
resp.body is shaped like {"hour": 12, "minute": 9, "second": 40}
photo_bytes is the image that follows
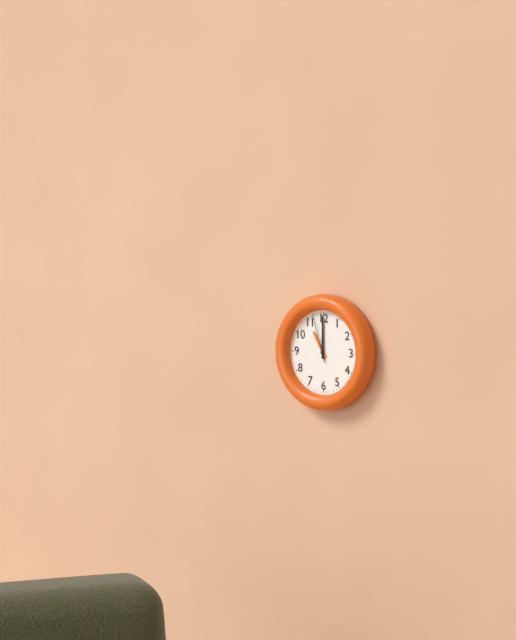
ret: {"hour": 11, "minute": 0, "second": 57}
